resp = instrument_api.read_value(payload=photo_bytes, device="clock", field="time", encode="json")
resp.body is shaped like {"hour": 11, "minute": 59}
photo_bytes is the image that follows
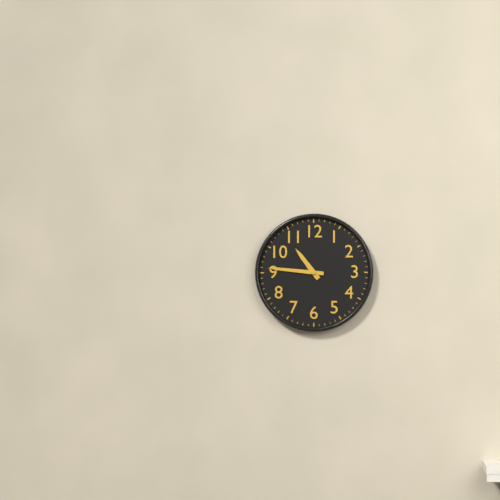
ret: {"hour": 10, "minute": 46}
